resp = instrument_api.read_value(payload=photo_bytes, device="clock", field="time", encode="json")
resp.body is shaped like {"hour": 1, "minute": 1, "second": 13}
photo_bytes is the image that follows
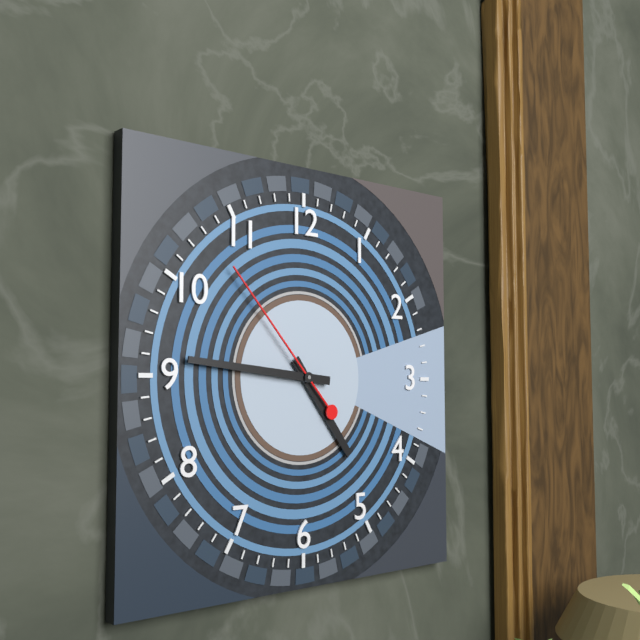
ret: {"hour": 4, "minute": 46, "second": 53}
